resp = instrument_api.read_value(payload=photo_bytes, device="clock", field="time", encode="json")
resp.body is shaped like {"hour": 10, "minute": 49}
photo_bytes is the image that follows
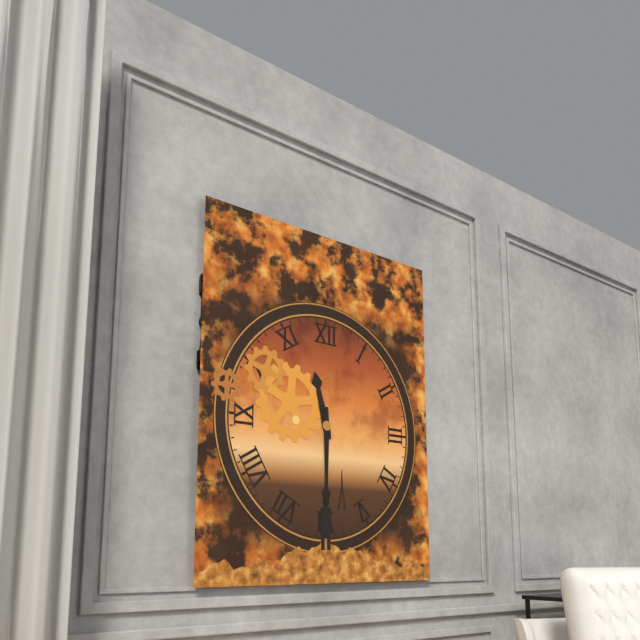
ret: {"hour": 11, "minute": 30}
